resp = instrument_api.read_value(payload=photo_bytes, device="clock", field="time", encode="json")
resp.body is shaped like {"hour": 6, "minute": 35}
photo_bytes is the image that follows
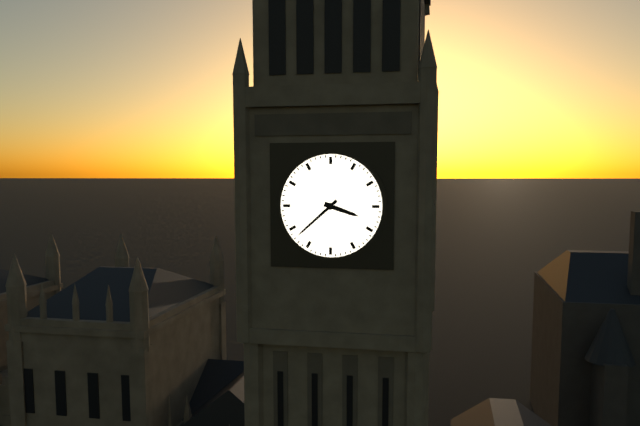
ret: {"hour": 3, "minute": 38}
